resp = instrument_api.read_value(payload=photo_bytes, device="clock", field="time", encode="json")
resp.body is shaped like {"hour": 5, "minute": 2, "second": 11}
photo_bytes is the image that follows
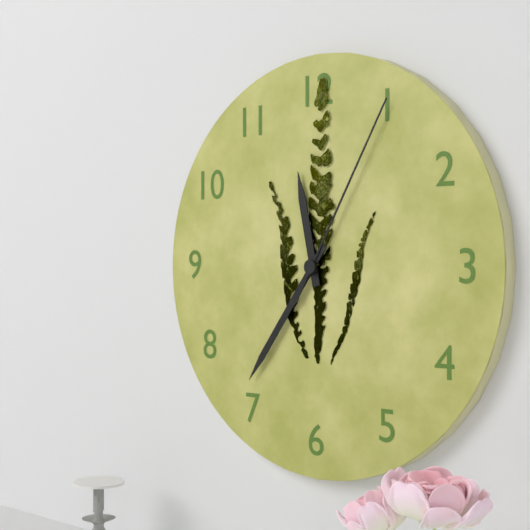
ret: {"hour": 11, "minute": 36, "second": 5}
